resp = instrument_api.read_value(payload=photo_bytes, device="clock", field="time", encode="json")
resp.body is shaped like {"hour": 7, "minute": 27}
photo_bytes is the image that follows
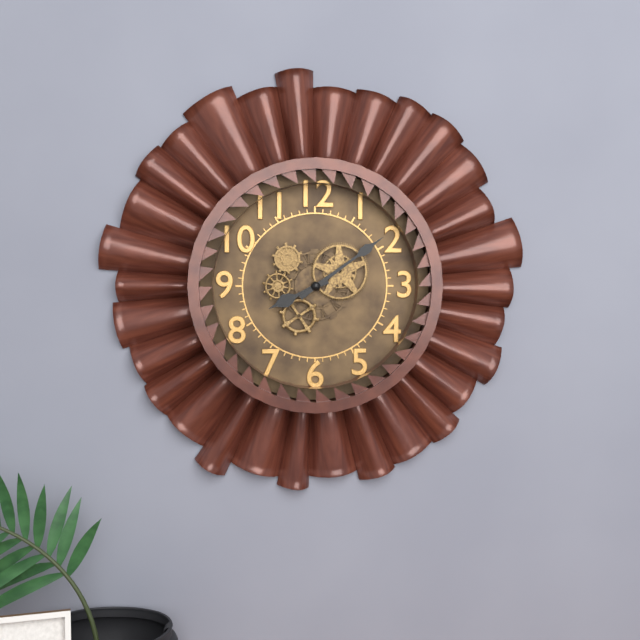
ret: {"hour": 8, "minute": 9}
